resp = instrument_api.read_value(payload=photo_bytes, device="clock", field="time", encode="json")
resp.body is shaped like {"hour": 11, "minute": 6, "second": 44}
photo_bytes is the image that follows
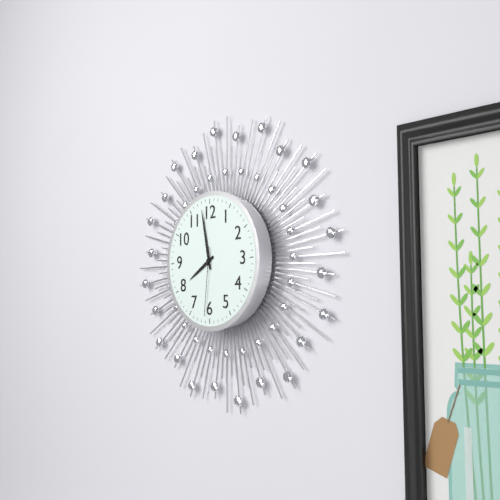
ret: {"hour": 7, "minute": 58, "second": 31}
